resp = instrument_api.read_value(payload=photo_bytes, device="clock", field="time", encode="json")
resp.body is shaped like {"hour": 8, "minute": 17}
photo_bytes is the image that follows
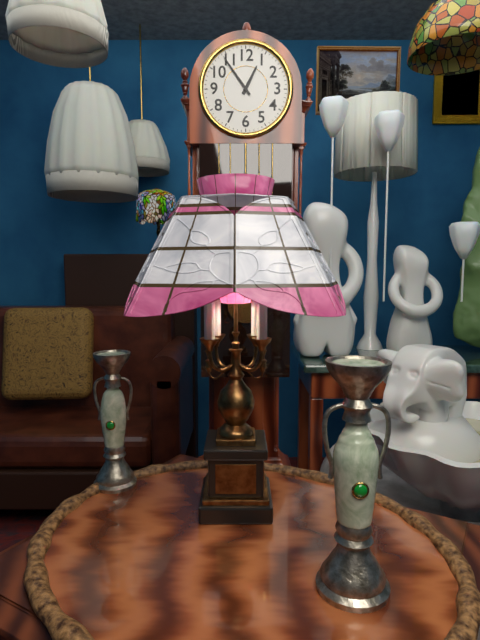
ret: {"hour": 12, "minute": 54}
